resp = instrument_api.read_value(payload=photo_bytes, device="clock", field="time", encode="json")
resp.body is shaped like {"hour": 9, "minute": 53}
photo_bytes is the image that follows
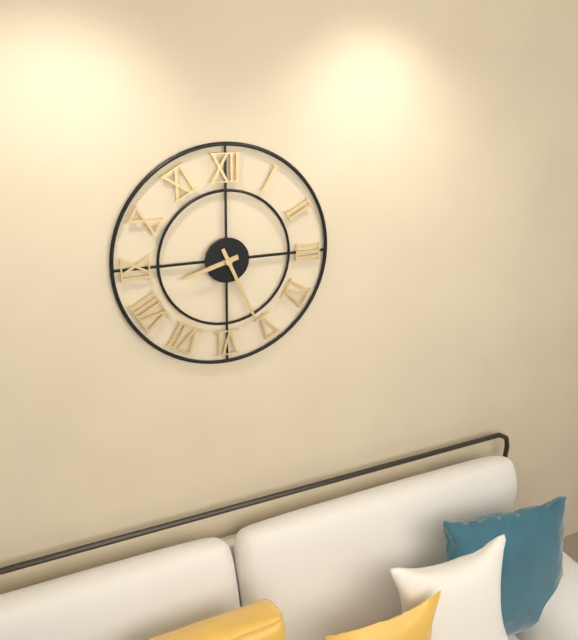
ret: {"hour": 8, "minute": 26}
